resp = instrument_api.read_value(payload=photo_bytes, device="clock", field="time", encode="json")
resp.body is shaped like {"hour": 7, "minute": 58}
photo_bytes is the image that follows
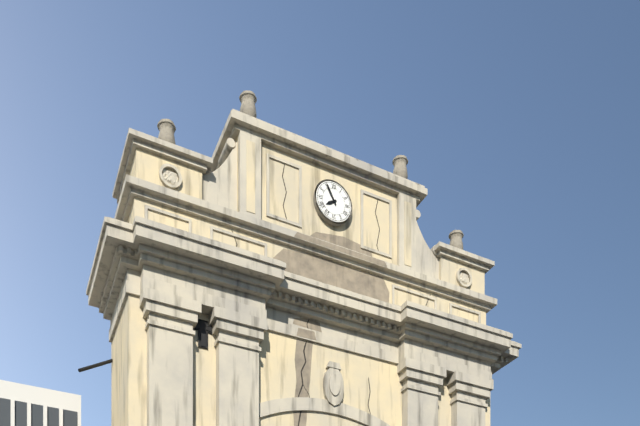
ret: {"hour": 7, "minute": 55}
